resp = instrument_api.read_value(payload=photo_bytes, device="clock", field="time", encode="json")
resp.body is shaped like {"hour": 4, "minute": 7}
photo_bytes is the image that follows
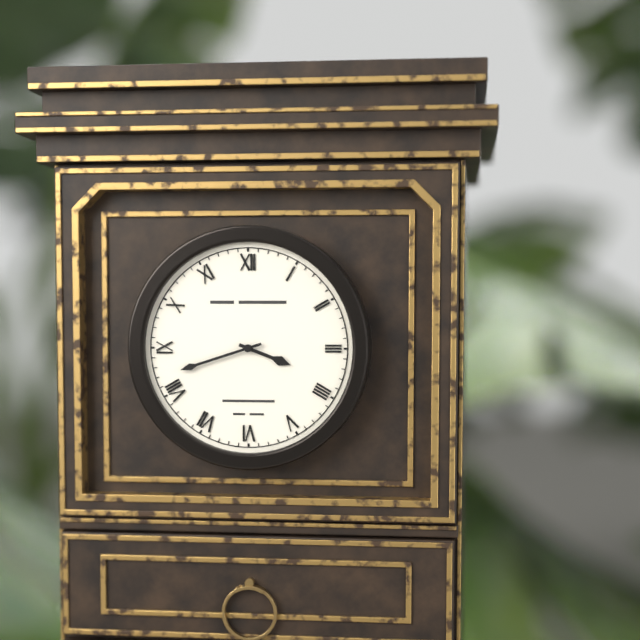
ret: {"hour": 3, "minute": 42}
